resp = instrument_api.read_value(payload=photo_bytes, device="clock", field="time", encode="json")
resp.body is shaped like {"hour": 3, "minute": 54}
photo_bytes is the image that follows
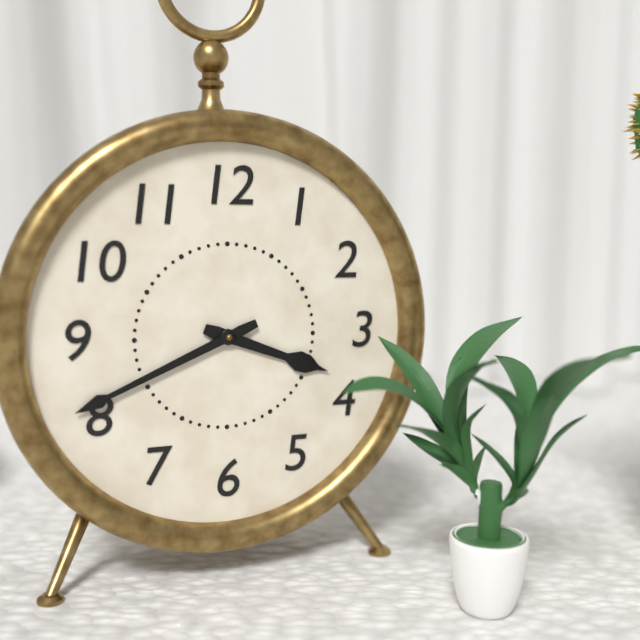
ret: {"hour": 3, "minute": 41}
